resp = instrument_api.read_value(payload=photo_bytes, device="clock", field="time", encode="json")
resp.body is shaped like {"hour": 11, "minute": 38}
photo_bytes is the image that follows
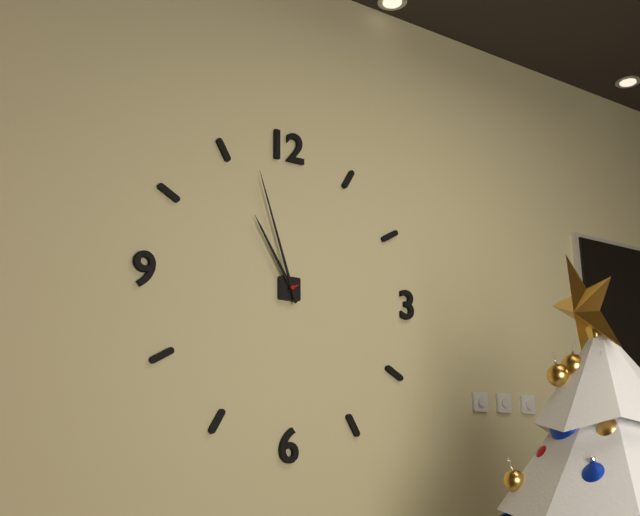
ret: {"hour": 10, "minute": 57}
